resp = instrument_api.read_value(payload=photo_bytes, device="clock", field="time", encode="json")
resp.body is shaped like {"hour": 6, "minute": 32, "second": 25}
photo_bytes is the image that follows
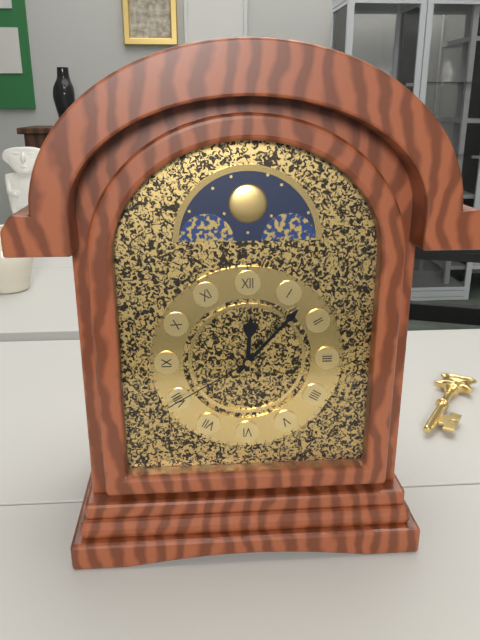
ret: {"hour": 12, "minute": 7, "second": 40}
